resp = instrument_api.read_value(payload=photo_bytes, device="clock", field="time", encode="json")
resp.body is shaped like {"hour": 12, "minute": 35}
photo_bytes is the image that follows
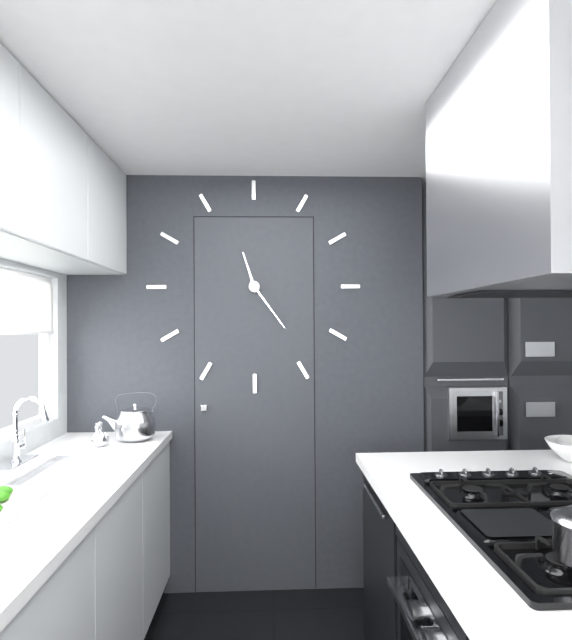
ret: {"hour": 11, "minute": 24}
